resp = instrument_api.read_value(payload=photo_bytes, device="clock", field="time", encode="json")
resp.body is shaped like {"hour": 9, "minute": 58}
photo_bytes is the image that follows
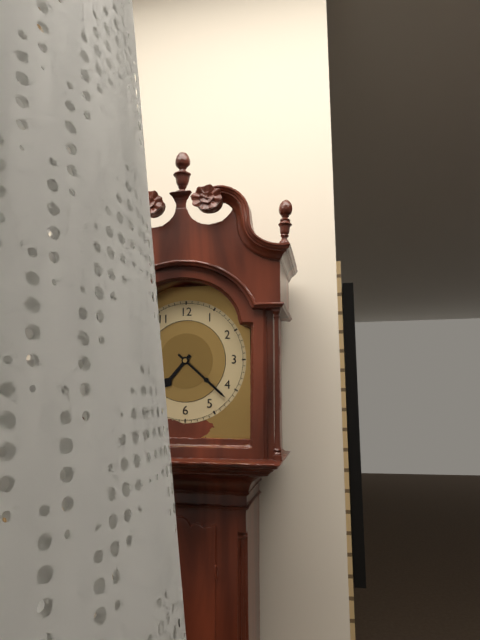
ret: {"hour": 7, "minute": 22}
